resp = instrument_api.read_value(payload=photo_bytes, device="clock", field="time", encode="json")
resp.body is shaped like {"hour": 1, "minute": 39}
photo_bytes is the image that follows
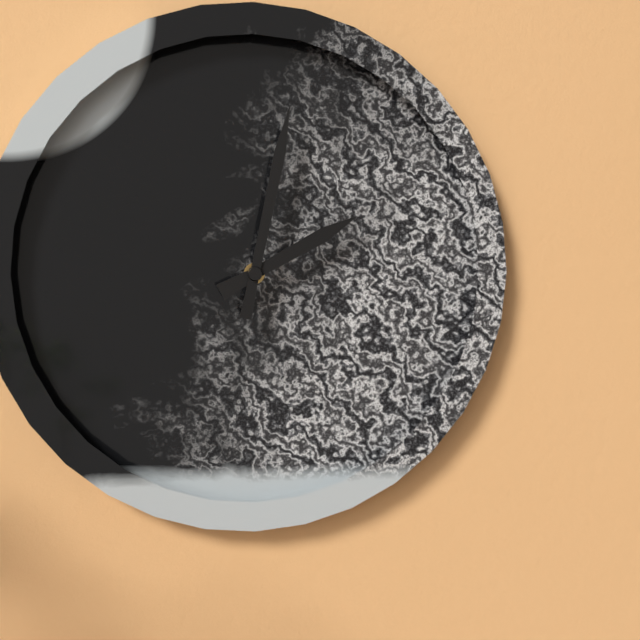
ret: {"hour": 2, "minute": 2}
